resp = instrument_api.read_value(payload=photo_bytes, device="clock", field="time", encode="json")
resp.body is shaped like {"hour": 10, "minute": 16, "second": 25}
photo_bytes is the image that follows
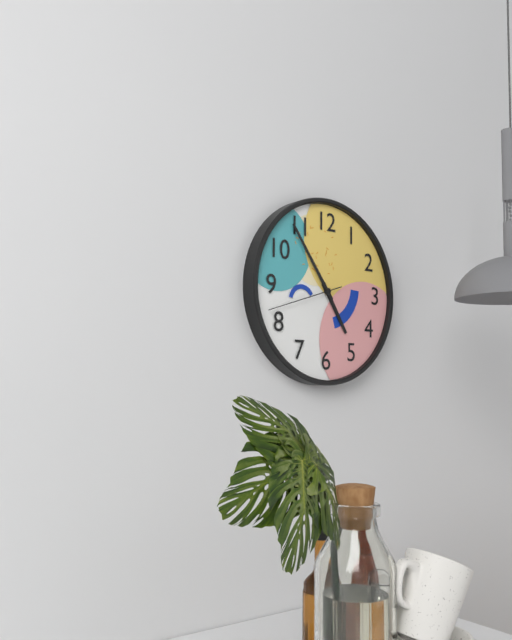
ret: {"hour": 4, "minute": 54, "second": 42}
